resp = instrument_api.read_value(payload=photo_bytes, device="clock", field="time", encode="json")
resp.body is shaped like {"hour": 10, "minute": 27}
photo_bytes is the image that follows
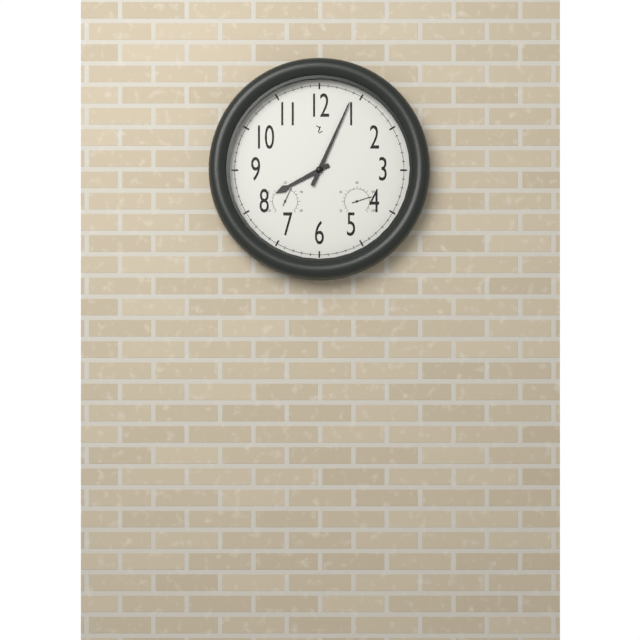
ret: {"hour": 8, "minute": 4}
